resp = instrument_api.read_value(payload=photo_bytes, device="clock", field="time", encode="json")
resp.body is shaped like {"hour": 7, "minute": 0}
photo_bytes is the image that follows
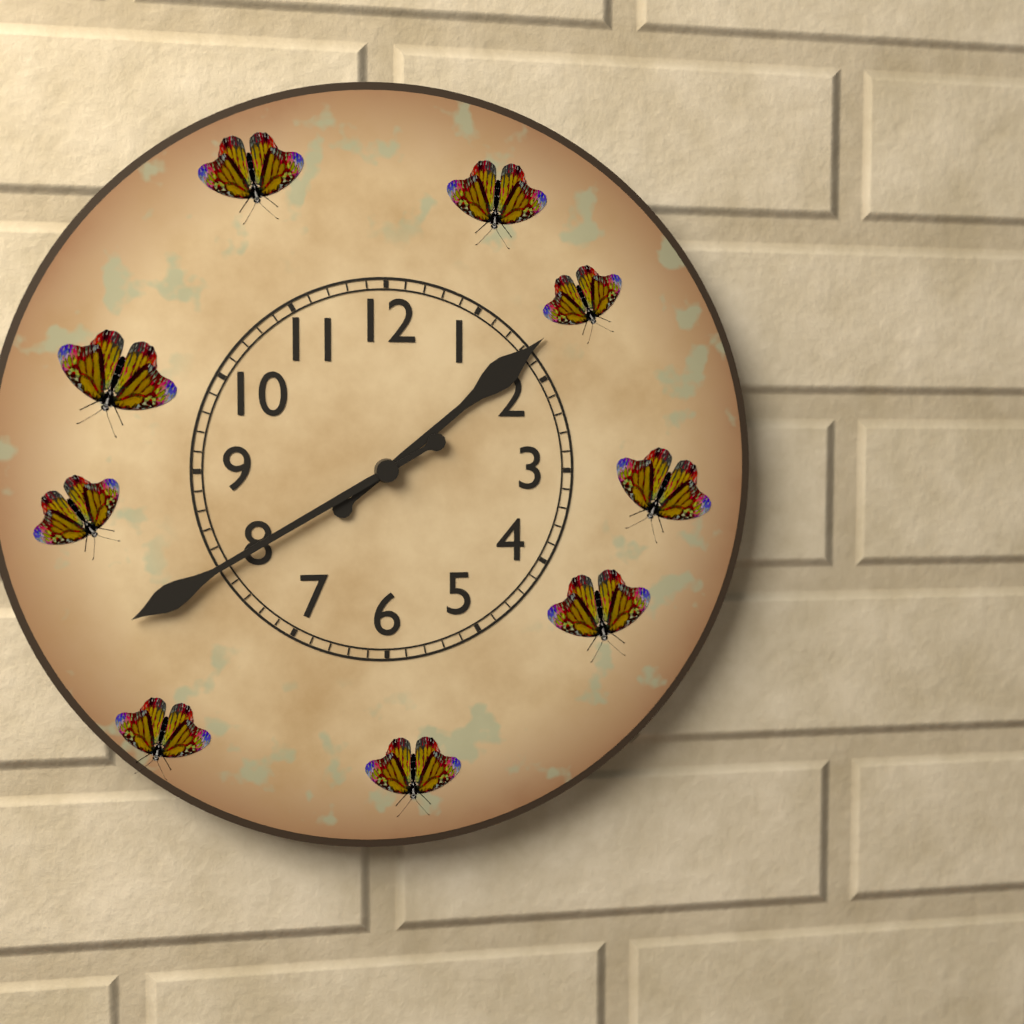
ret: {"hour": 1, "minute": 40}
